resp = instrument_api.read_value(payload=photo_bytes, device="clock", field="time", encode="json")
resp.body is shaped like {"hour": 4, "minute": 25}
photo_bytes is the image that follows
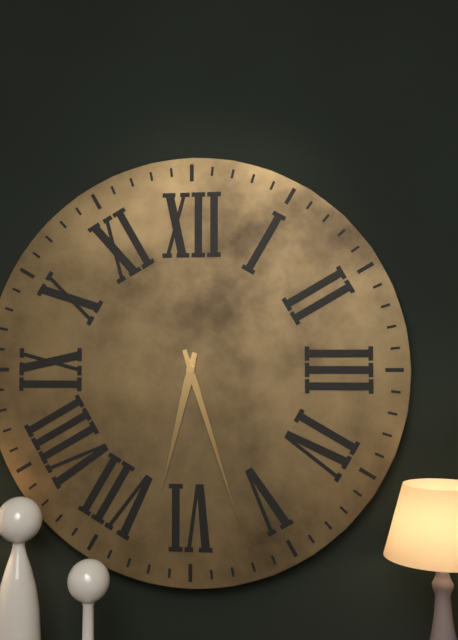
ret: {"hour": 6, "minute": 27}
